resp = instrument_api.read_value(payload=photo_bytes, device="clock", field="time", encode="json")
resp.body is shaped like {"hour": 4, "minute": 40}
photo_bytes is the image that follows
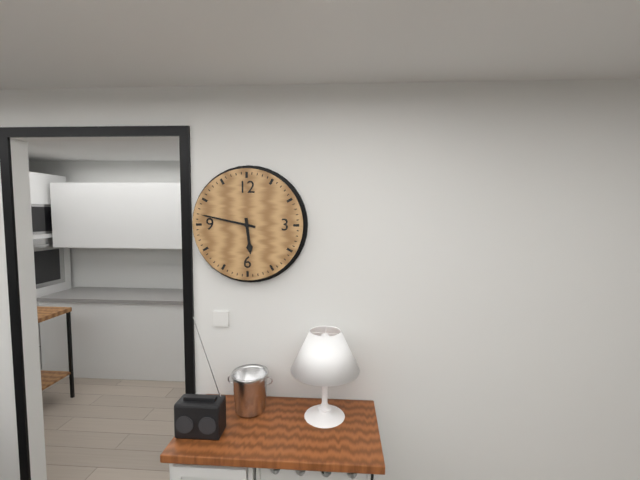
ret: {"hour": 5, "minute": 47}
